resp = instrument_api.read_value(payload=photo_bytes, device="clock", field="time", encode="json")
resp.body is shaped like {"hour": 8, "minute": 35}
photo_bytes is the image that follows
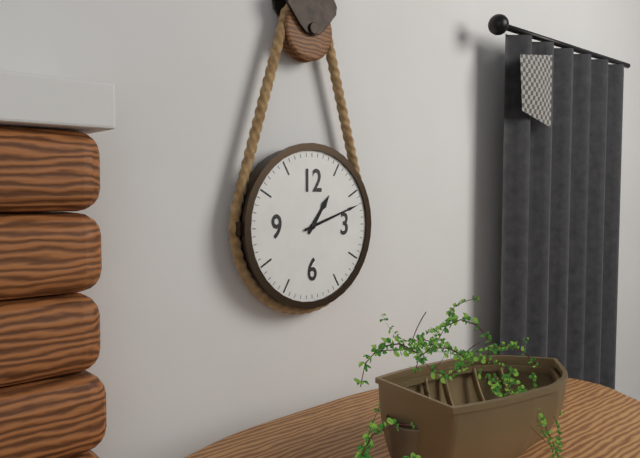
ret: {"hour": 1, "minute": 12}
